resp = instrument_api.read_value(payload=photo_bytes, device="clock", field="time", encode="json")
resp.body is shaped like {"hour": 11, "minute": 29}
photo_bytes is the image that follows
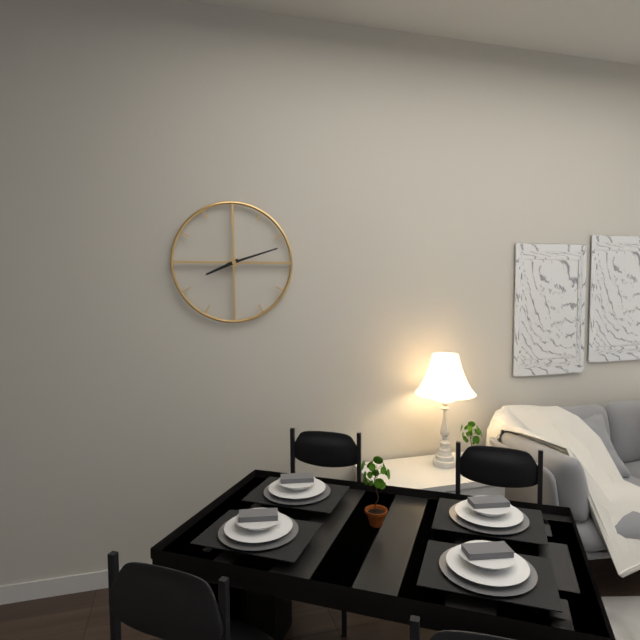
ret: {"hour": 8, "minute": 12}
